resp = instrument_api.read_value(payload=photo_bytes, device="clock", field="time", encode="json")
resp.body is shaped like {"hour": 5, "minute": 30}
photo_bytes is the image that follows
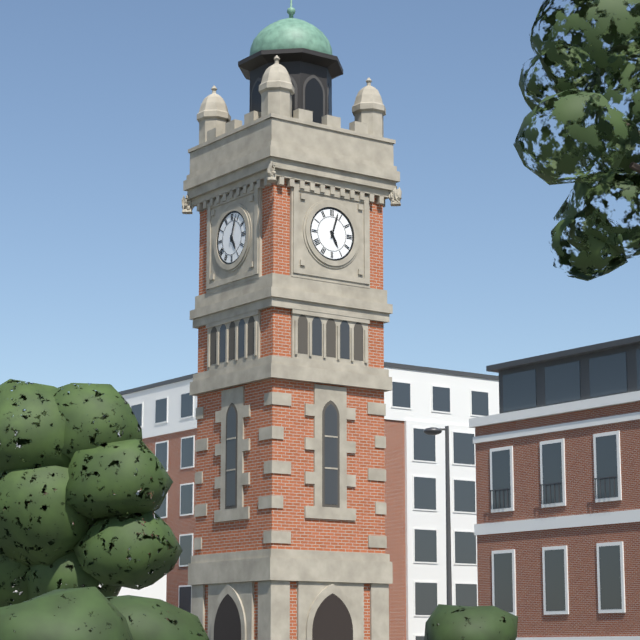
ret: {"hour": 5, "minute": 3}
